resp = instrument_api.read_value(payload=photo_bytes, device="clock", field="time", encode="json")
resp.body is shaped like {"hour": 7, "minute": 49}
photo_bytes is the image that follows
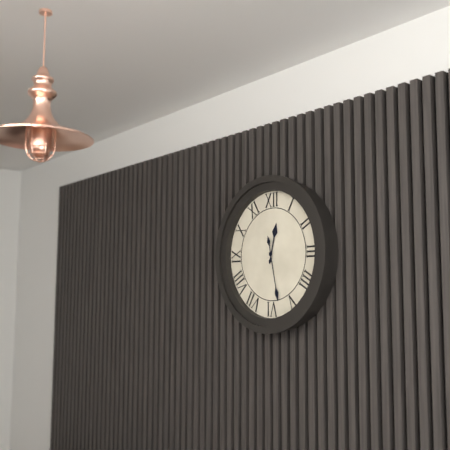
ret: {"hour": 12, "minute": 28}
